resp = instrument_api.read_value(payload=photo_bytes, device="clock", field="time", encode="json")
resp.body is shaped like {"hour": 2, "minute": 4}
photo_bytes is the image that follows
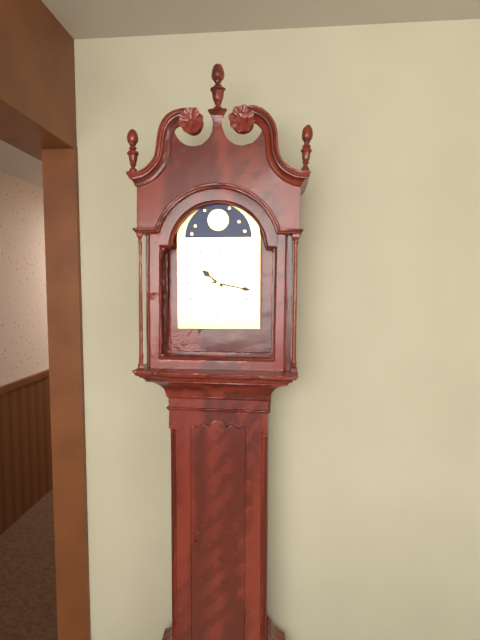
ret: {"hour": 10, "minute": 17}
